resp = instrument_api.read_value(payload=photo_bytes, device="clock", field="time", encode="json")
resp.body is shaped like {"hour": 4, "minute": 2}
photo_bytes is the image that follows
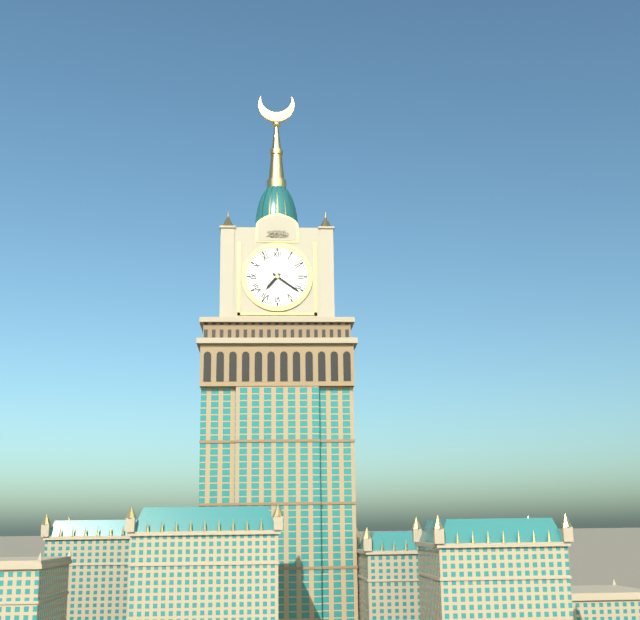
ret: {"hour": 7, "minute": 21}
